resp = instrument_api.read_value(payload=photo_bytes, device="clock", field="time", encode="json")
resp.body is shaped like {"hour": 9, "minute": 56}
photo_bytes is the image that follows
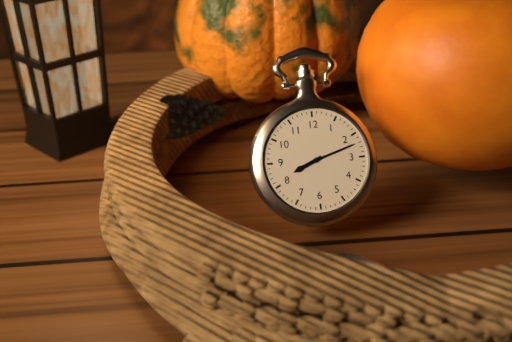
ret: {"hour": 8, "minute": 12}
